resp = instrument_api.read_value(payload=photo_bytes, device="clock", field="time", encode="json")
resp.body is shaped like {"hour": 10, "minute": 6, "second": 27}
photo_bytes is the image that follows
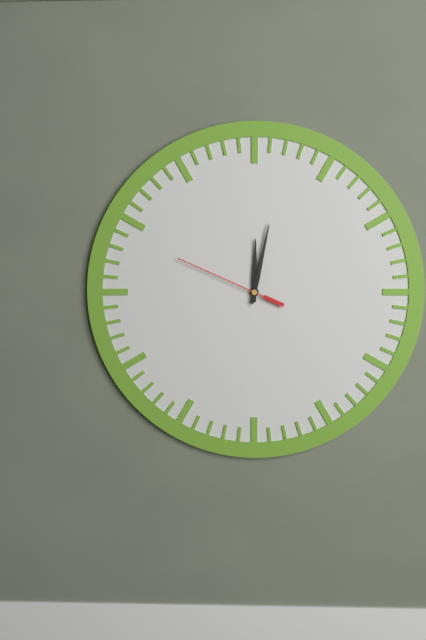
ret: {"hour": 12, "minute": 2, "second": 49}
